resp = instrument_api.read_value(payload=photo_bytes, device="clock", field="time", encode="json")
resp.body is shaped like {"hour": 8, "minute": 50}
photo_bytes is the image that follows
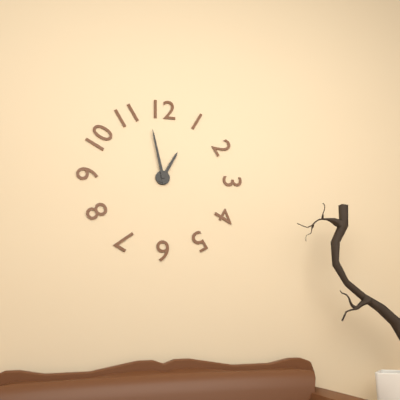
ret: {"hour": 12, "minute": 58}
